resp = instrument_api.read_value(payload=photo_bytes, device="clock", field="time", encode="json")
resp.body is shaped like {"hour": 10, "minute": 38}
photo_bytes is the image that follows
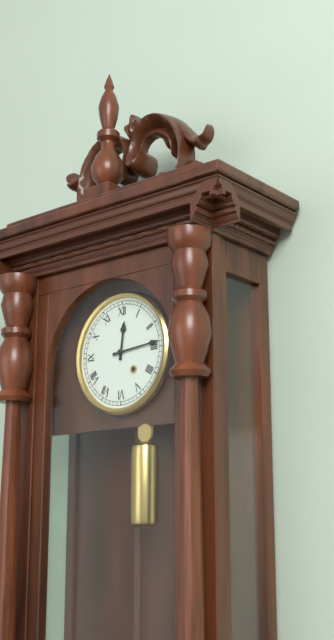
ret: {"hour": 12, "minute": 14}
